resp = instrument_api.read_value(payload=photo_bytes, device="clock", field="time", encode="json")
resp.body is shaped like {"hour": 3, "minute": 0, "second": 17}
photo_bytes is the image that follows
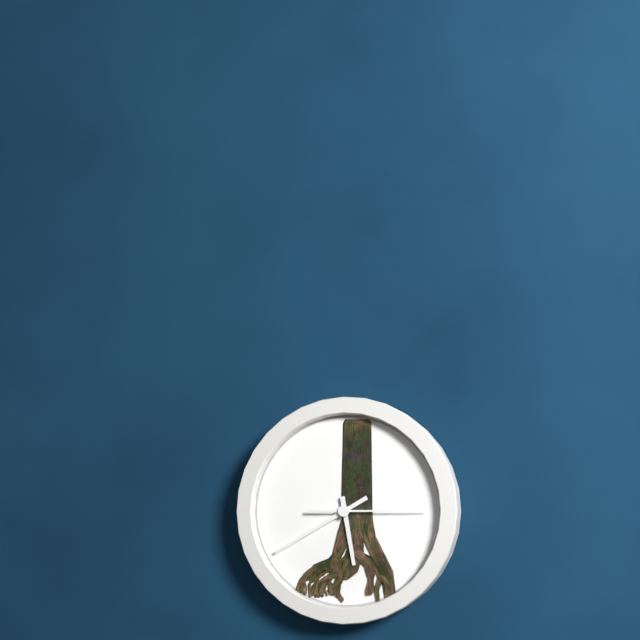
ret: {"hour": 5, "minute": 40, "second": 15}
